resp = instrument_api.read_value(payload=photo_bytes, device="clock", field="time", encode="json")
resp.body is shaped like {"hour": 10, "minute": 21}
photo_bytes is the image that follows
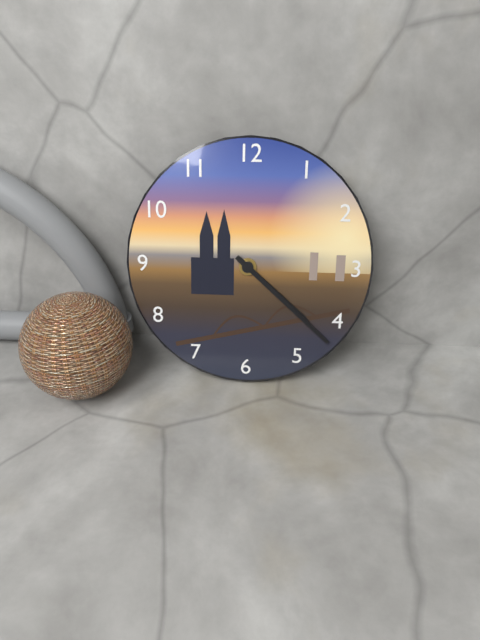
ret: {"hour": 4, "minute": 22}
